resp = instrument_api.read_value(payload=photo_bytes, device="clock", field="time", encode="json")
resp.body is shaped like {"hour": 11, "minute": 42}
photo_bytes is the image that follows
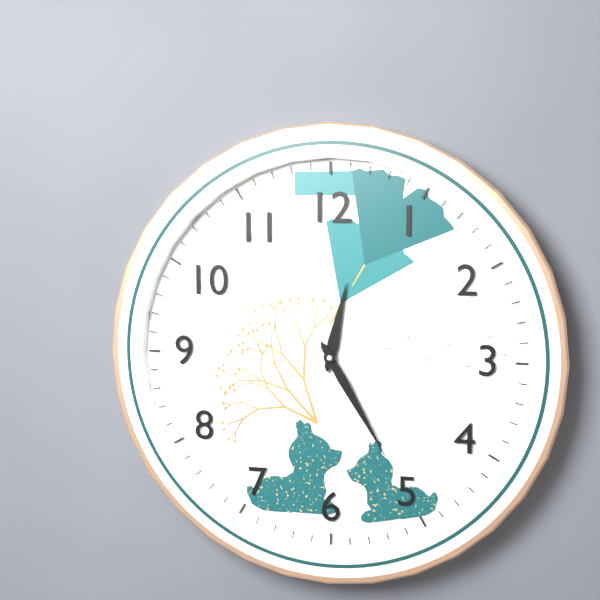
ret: {"hour": 12, "minute": 25}
